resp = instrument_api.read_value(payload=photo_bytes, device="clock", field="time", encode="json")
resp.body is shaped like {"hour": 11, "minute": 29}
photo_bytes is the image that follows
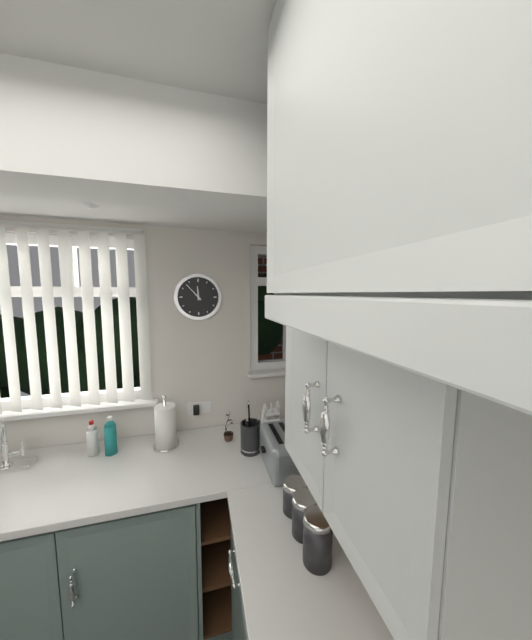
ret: {"hour": 11, "minute": 53}
